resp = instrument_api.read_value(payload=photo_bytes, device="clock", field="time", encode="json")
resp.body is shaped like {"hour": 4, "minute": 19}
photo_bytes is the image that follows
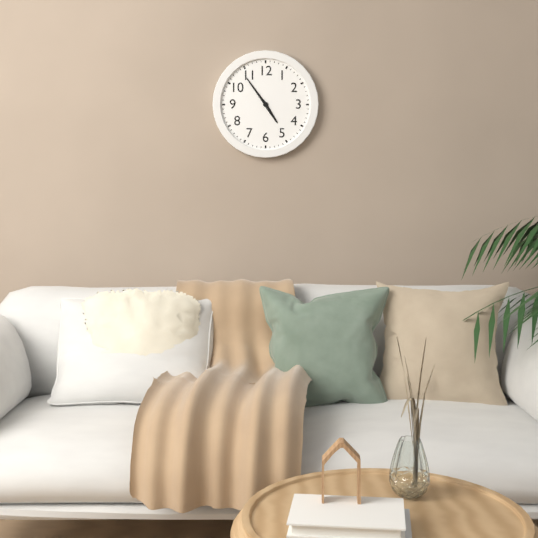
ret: {"hour": 4, "minute": 54}
